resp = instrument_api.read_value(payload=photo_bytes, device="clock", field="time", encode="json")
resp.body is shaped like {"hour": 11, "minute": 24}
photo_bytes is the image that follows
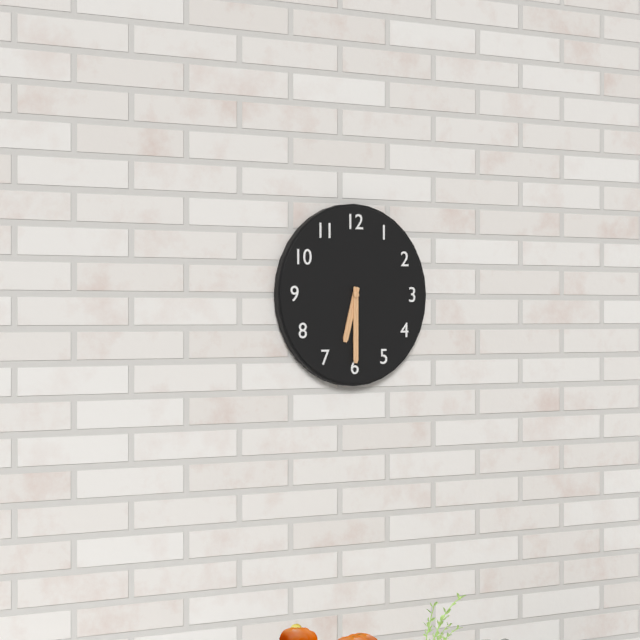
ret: {"hour": 6, "minute": 30}
